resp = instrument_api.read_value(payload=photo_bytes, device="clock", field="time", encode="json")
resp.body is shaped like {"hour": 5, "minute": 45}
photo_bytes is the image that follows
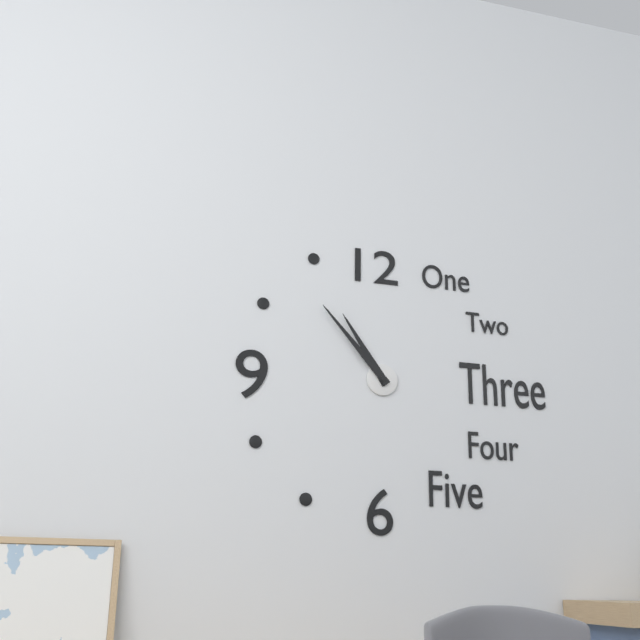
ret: {"hour": 10, "minute": 53}
